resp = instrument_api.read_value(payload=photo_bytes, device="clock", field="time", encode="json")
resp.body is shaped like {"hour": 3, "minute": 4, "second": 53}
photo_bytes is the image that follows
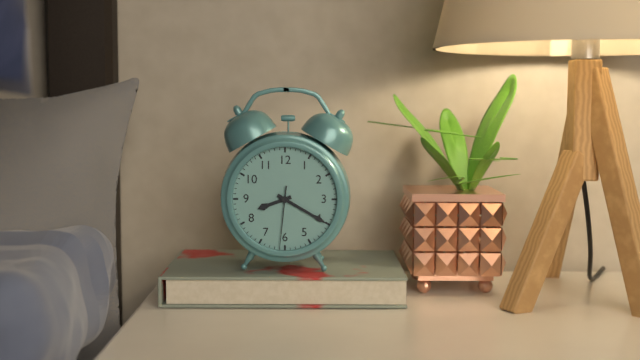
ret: {"hour": 8, "minute": 20, "second": 31}
